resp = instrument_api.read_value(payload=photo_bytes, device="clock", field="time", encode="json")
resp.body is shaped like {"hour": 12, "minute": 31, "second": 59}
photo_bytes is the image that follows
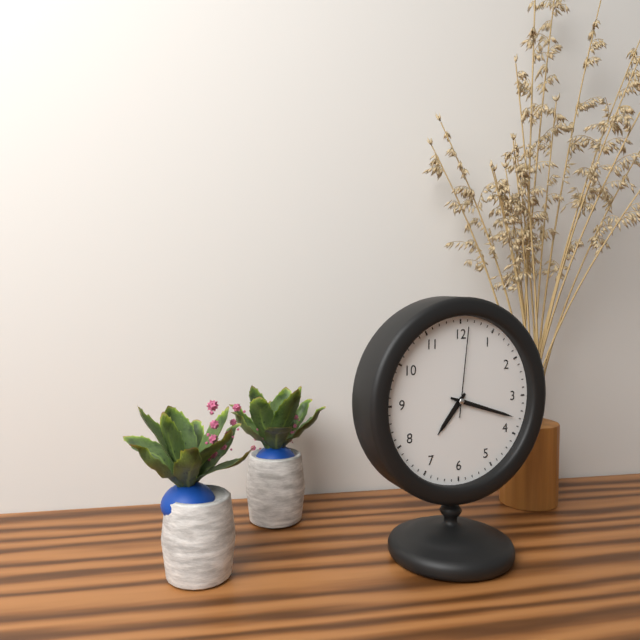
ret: {"hour": 7, "minute": 18, "second": 1}
